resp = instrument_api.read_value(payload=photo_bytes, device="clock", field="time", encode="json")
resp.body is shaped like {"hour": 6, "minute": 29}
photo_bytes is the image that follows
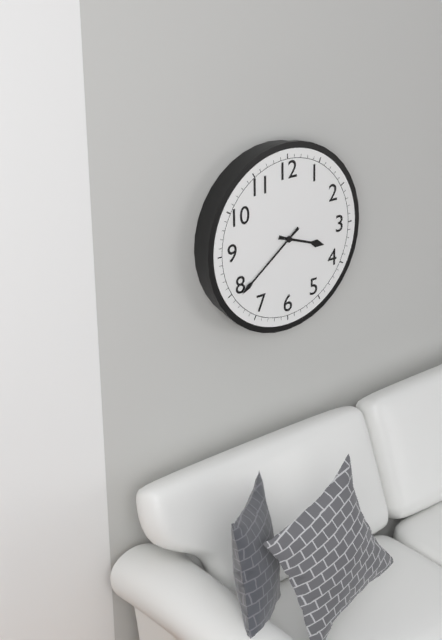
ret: {"hour": 3, "minute": 39}
